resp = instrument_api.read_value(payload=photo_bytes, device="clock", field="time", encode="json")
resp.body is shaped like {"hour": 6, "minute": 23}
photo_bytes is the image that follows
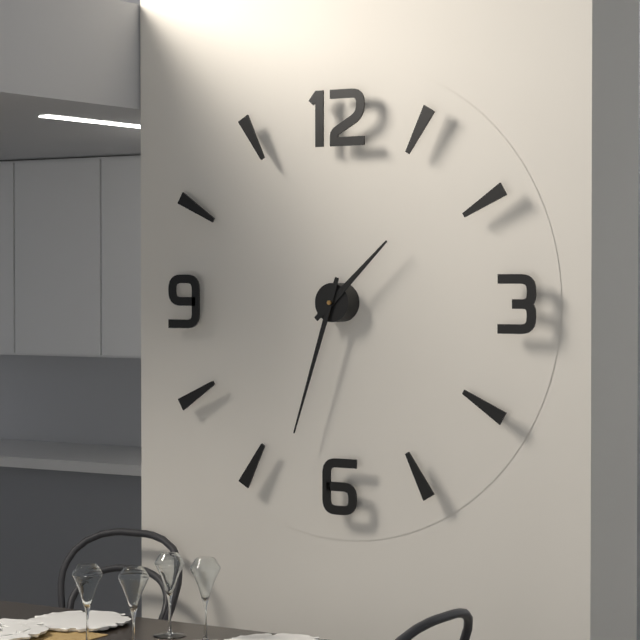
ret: {"hour": 1, "minute": 33}
